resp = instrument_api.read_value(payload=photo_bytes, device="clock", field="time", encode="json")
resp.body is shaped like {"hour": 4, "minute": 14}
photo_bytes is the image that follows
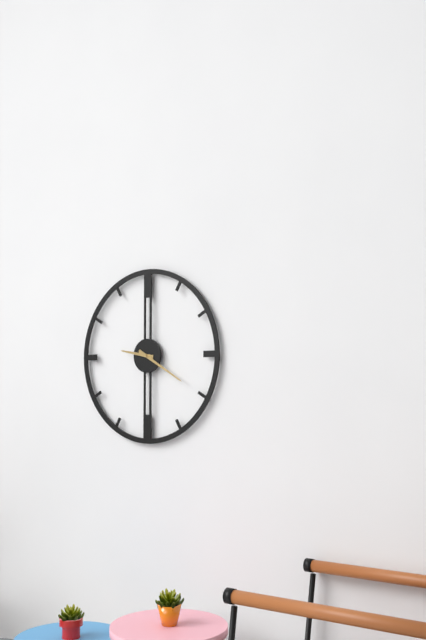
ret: {"hour": 9, "minute": 20}
